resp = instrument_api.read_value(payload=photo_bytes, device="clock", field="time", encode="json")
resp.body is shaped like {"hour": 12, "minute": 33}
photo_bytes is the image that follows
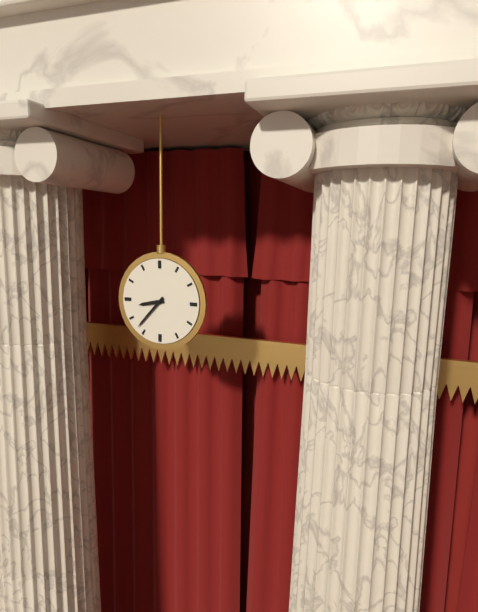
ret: {"hour": 8, "minute": 37}
